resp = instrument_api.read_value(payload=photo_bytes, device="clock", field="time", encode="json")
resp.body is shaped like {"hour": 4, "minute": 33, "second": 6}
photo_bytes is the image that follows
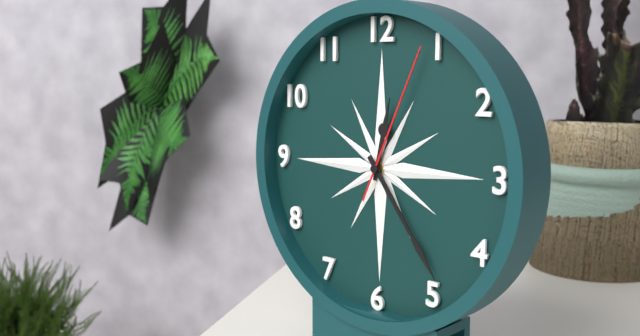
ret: {"hour": 12, "minute": 24, "second": 4}
